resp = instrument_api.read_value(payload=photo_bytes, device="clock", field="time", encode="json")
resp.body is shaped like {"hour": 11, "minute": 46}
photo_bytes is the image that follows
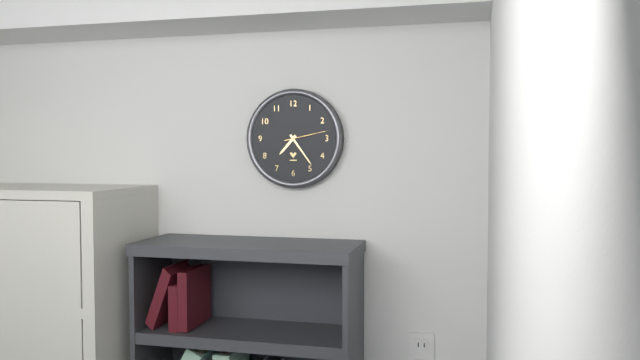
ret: {"hour": 7, "minute": 24}
